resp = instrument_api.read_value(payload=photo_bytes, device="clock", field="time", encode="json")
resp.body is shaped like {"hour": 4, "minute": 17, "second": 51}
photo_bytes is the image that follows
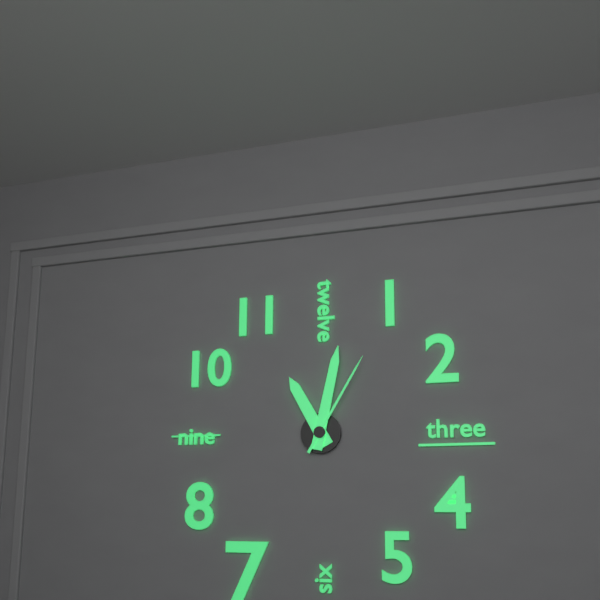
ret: {"hour": 11, "minute": 2, "second": 5}
